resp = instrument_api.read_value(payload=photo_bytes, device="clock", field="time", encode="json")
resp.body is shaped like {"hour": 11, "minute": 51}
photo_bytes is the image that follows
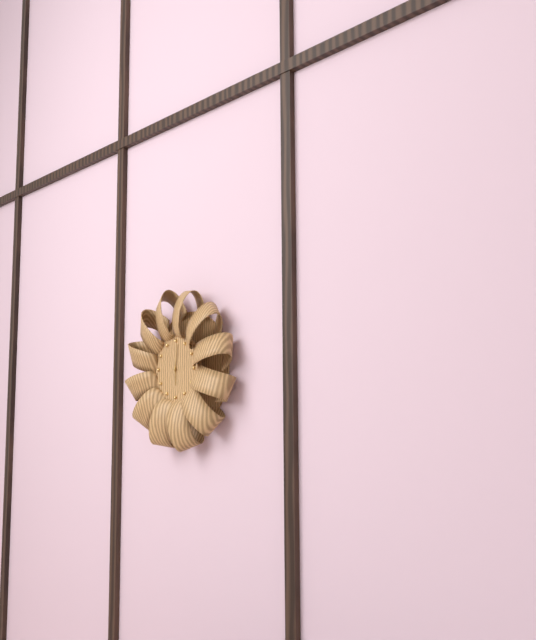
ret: {"hour": 6, "minute": 1}
